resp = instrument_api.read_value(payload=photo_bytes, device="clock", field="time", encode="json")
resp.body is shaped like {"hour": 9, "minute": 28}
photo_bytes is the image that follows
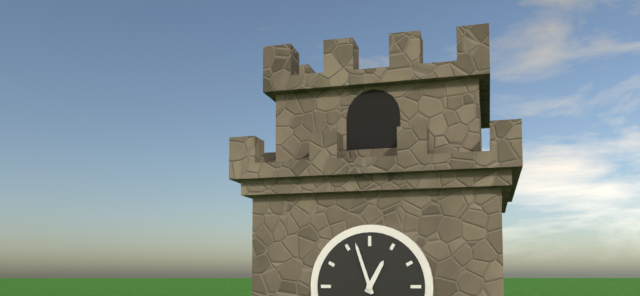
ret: {"hour": 12, "minute": 57}
